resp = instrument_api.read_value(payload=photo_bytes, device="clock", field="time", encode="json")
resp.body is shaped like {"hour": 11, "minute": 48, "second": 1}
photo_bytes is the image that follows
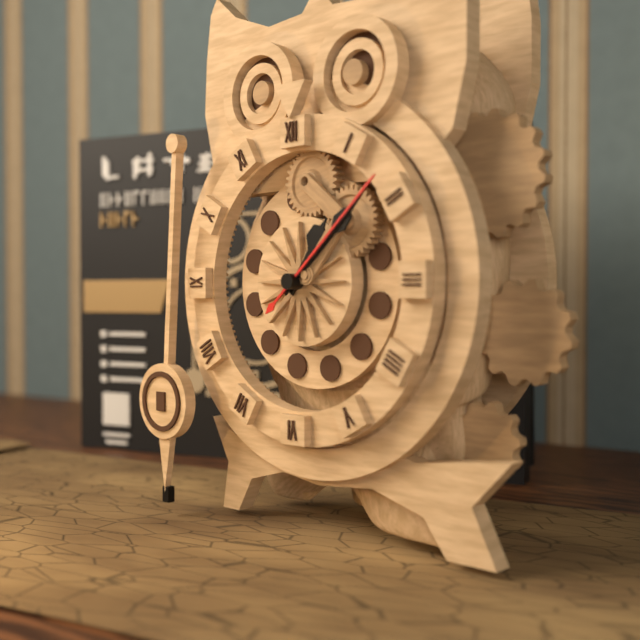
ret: {"hour": 1, "minute": 8, "second": 8}
